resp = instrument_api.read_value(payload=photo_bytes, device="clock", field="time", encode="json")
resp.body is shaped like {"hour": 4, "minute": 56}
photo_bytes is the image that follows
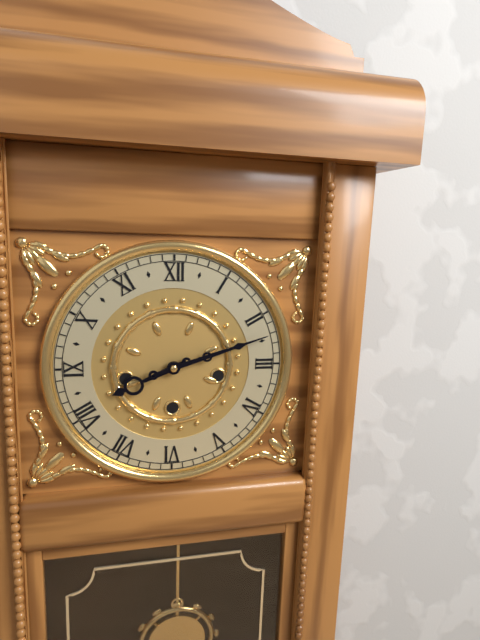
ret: {"hour": 8, "minute": 12}
